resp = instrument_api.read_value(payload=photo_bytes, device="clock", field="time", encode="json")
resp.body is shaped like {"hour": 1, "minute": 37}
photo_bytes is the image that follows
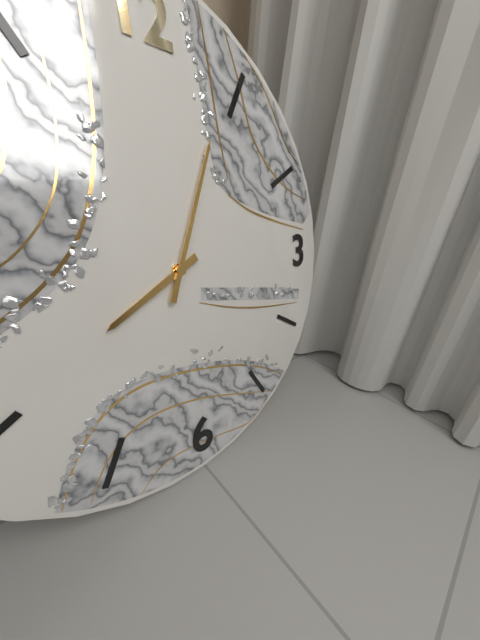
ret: {"hour": 8, "minute": 4}
